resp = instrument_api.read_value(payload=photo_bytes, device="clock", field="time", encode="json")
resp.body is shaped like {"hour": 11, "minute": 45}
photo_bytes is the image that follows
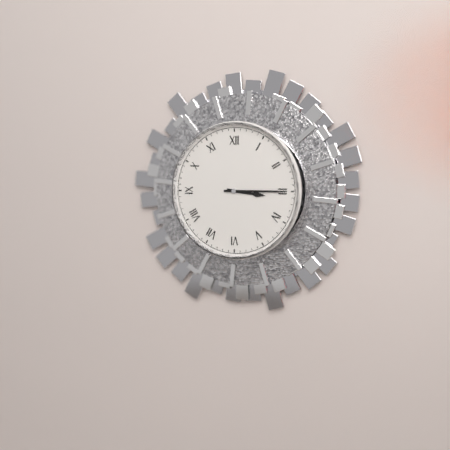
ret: {"hour": 3, "minute": 15}
